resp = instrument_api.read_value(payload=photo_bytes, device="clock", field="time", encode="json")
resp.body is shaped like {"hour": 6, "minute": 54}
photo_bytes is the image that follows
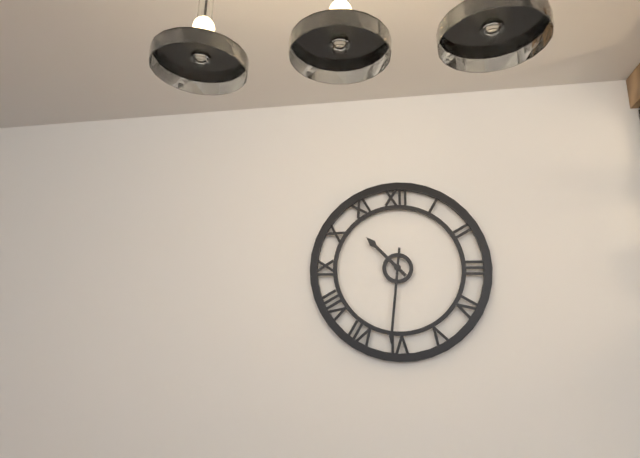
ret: {"hour": 10, "minute": 31}
